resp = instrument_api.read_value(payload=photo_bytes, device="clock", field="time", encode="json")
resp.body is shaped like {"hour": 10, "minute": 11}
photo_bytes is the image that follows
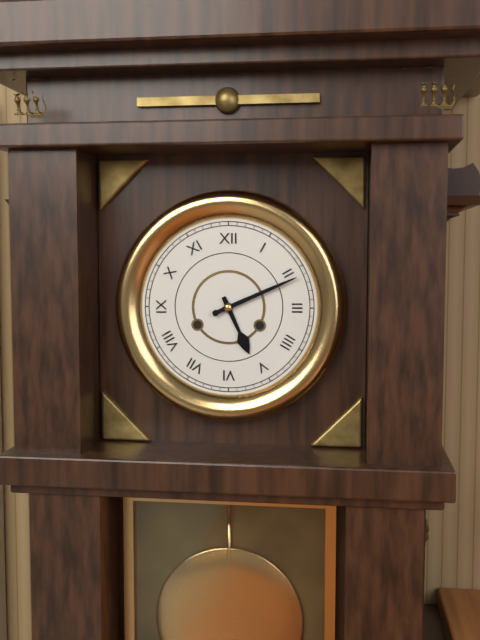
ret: {"hour": 5, "minute": 11}
